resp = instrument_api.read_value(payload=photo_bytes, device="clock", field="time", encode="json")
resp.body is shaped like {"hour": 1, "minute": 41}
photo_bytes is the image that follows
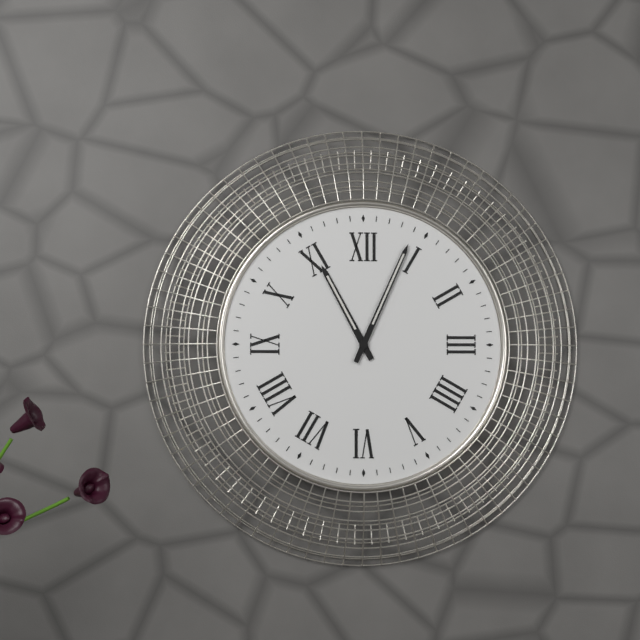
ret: {"hour": 11, "minute": 4}
